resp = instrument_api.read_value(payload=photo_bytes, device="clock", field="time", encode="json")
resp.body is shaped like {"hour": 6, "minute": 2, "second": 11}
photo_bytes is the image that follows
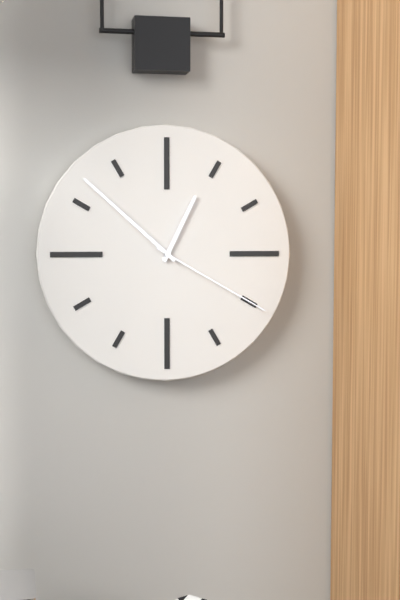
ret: {"hour": 12, "minute": 52, "second": 20}
